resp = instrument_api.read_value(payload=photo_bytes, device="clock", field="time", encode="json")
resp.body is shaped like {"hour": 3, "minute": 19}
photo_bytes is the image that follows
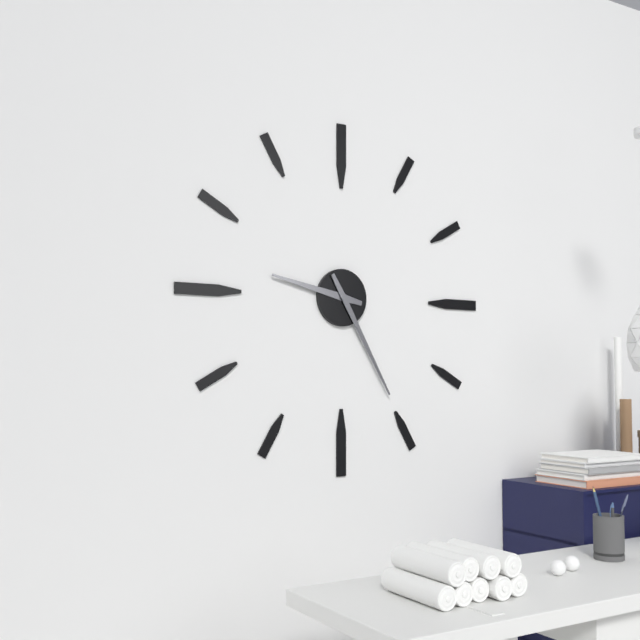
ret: {"hour": 9, "minute": 25}
